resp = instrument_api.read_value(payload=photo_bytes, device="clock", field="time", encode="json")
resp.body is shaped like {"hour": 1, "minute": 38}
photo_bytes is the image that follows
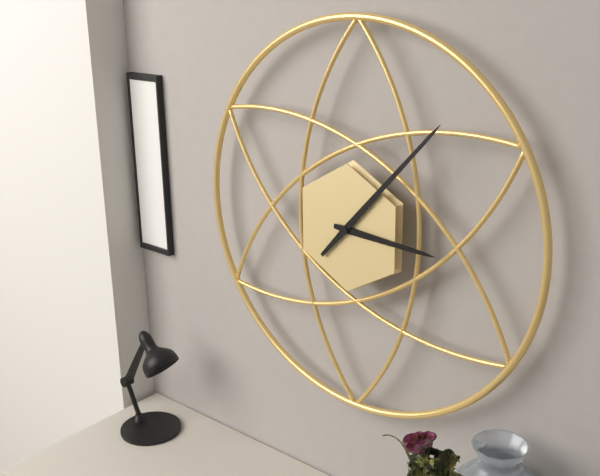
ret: {"hour": 3, "minute": 7}
